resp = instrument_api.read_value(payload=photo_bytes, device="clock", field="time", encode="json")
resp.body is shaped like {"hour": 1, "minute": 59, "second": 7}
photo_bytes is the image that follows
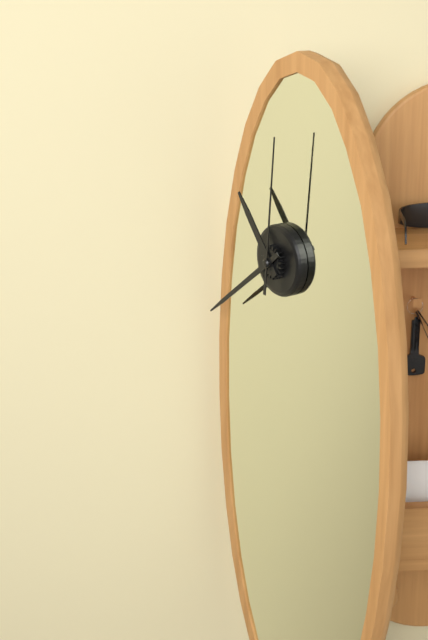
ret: {"hour": 10, "minute": 39, "second": 1}
